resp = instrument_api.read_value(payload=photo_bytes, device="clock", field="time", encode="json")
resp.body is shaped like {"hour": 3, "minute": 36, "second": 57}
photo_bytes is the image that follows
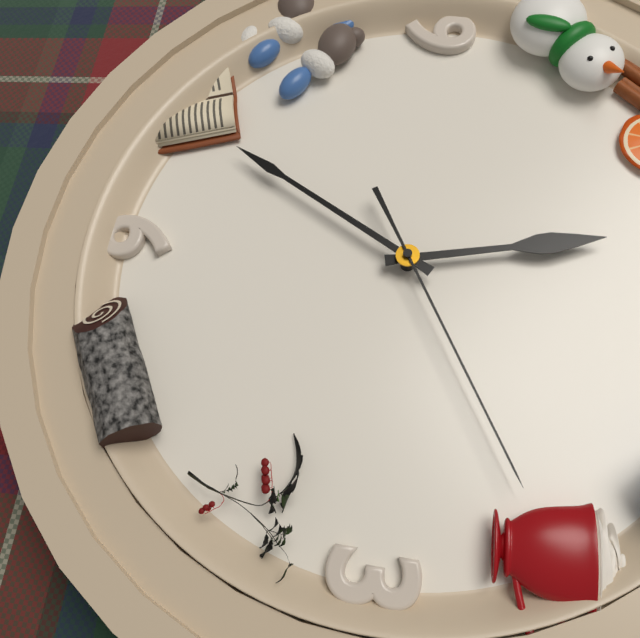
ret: {"hour": 11, "minute": 35, "second": 10}
